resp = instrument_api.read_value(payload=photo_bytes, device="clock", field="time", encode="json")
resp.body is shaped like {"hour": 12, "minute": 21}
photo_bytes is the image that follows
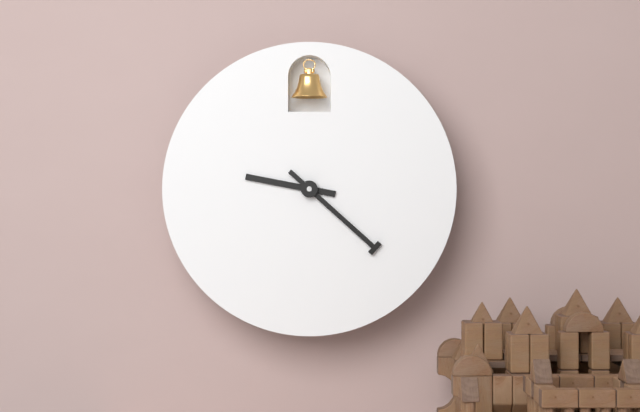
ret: {"hour": 9, "minute": 22}
